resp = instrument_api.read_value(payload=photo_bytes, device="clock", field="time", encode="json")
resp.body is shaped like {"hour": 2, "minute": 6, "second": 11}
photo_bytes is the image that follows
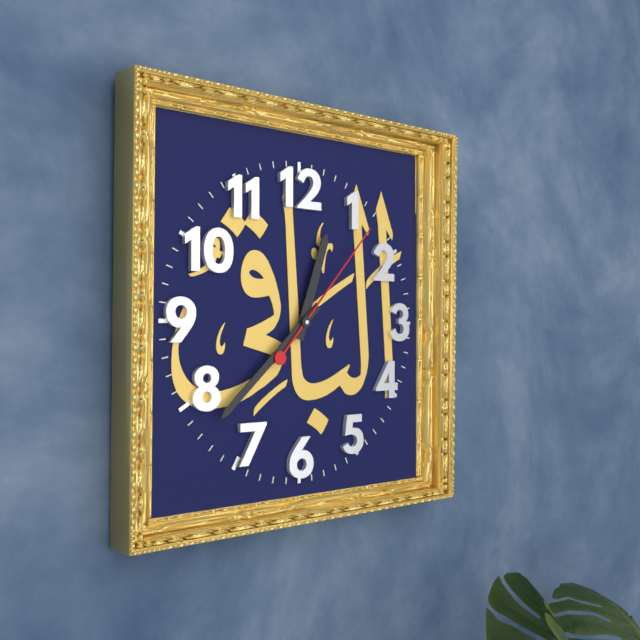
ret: {"hour": 12, "minute": 38, "second": 7}
